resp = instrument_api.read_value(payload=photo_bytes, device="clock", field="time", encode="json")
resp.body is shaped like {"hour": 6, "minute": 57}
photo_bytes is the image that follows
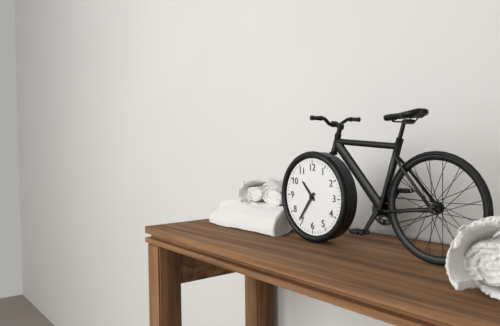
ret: {"hour": 10, "minute": 36}
